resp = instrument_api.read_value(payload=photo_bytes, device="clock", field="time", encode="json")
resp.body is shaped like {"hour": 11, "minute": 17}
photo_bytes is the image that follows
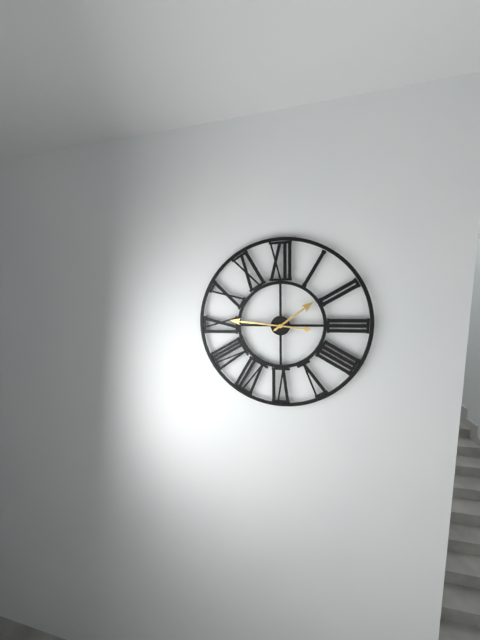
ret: {"hour": 1, "minute": 46}
